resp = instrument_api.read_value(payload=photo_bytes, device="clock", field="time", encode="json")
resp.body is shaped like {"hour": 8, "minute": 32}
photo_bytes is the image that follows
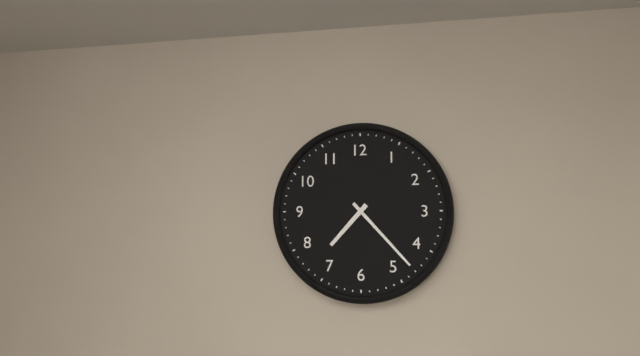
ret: {"hour": 7, "minute": 23}
